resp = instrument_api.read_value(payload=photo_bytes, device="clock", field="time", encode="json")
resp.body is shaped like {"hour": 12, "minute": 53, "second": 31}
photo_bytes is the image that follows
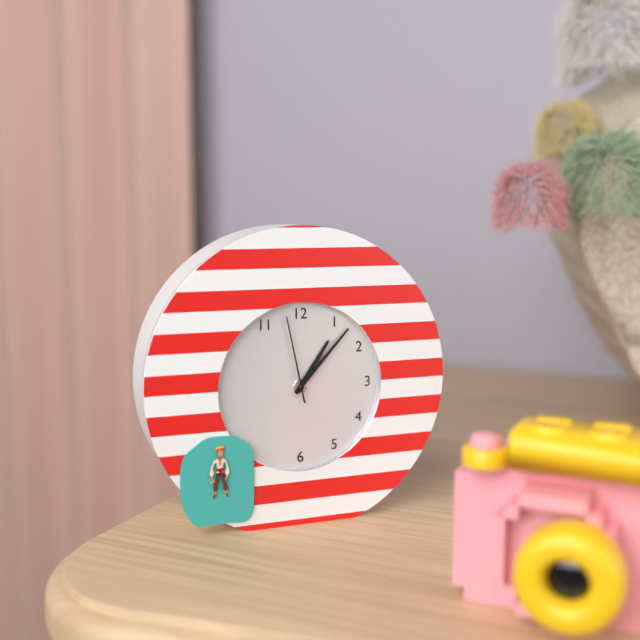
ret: {"hour": 1, "minute": 7, "second": 58}
